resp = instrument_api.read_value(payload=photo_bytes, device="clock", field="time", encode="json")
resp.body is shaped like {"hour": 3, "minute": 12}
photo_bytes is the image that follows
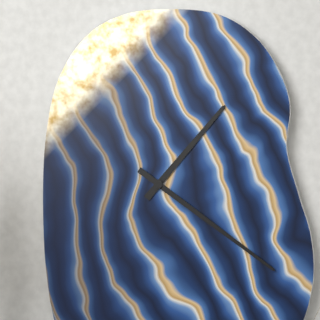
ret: {"hour": 1, "minute": 21}
